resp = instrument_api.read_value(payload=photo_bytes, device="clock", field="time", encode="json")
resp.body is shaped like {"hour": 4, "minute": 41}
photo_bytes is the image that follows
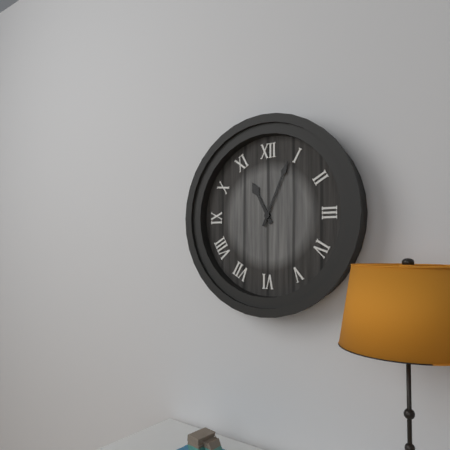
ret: {"hour": 11, "minute": 4}
